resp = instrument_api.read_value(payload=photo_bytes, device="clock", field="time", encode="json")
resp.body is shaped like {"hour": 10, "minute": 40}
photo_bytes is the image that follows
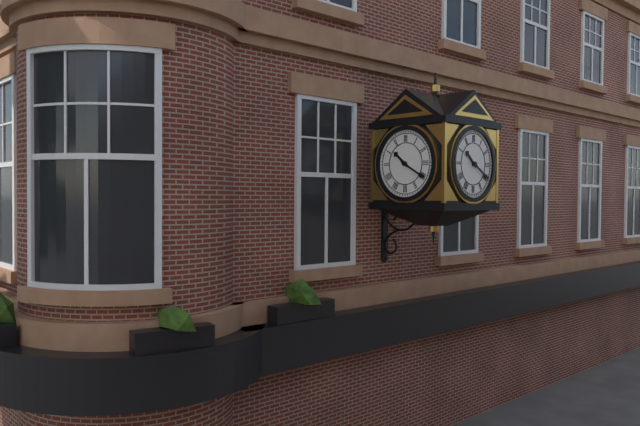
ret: {"hour": 10, "minute": 20}
